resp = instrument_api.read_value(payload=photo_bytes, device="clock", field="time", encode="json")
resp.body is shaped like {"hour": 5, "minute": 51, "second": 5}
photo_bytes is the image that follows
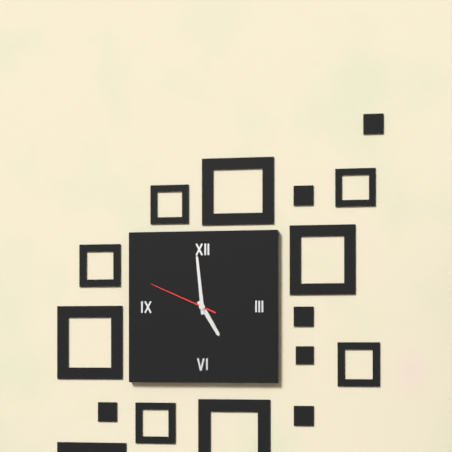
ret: {"hour": 4, "minute": 59, "second": 49}
